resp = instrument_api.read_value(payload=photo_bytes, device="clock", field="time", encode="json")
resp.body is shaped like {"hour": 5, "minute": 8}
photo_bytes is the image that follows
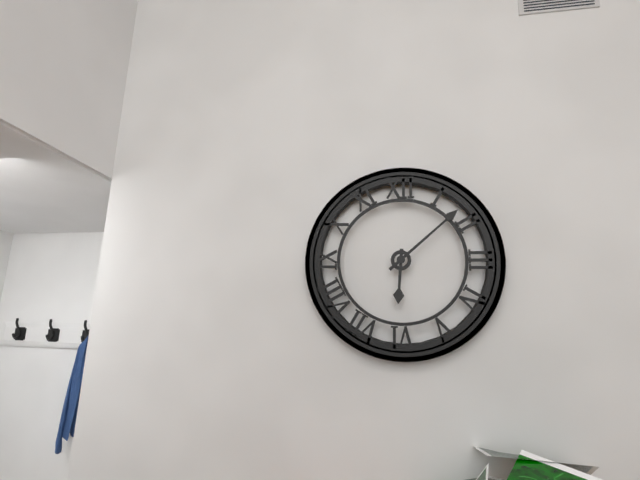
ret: {"hour": 6, "minute": 8}
